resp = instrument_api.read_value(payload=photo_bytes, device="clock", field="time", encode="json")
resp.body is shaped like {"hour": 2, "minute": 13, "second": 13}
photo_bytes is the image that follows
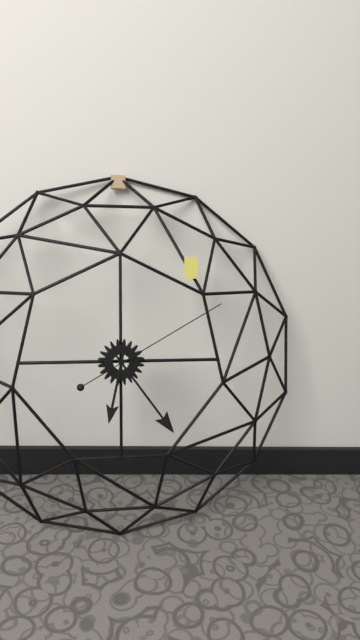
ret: {"hour": 6, "minute": 24, "second": 10}
